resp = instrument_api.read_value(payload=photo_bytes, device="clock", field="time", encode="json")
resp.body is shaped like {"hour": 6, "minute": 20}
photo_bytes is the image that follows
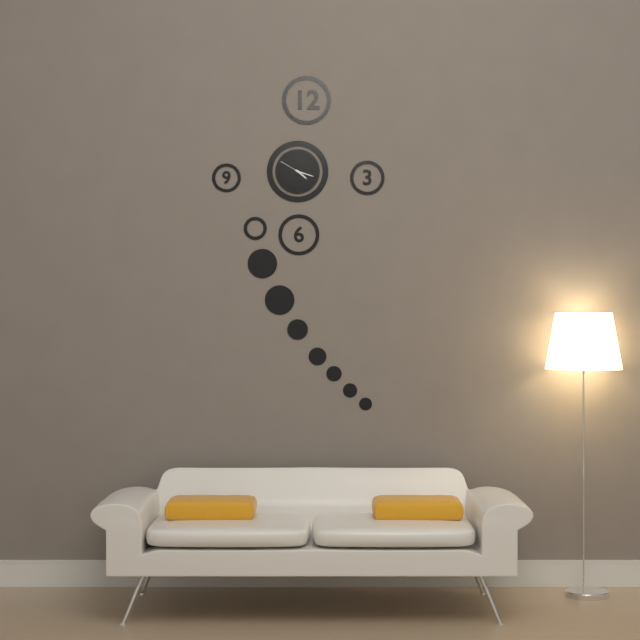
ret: {"hour": 4, "minute": 18}
